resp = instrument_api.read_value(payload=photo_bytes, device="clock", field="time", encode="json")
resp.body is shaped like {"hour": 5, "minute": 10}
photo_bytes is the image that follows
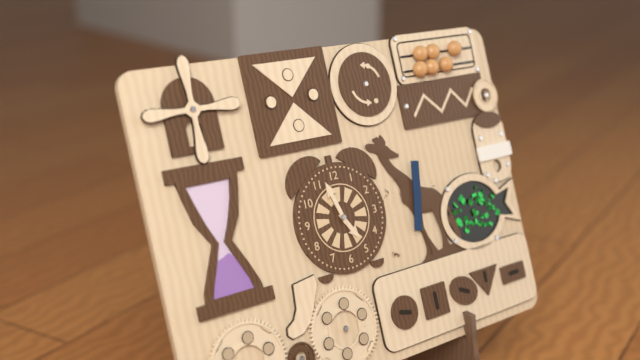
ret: {"hour": 4, "minute": 57}
